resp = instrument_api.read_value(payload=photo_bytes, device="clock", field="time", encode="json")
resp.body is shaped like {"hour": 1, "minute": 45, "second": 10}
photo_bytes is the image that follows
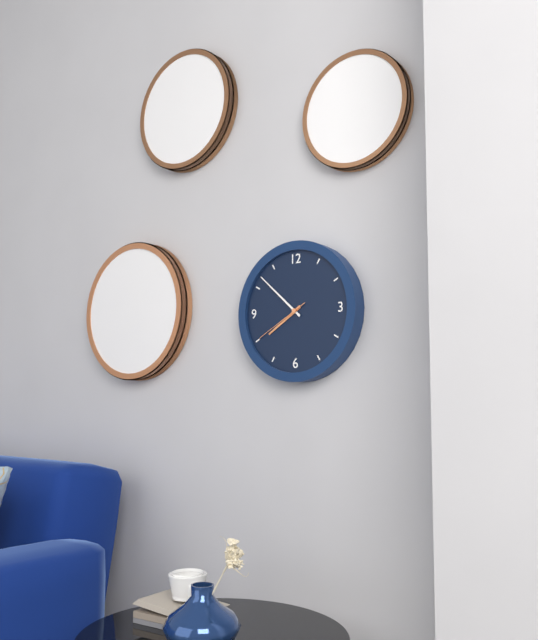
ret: {"hour": 7, "minute": 52, "second": 40}
